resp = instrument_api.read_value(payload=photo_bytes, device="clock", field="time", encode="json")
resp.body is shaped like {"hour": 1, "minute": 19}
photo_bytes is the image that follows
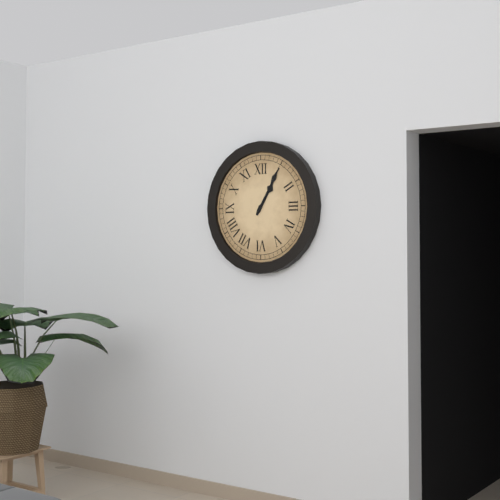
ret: {"hour": 1, "minute": 5}
